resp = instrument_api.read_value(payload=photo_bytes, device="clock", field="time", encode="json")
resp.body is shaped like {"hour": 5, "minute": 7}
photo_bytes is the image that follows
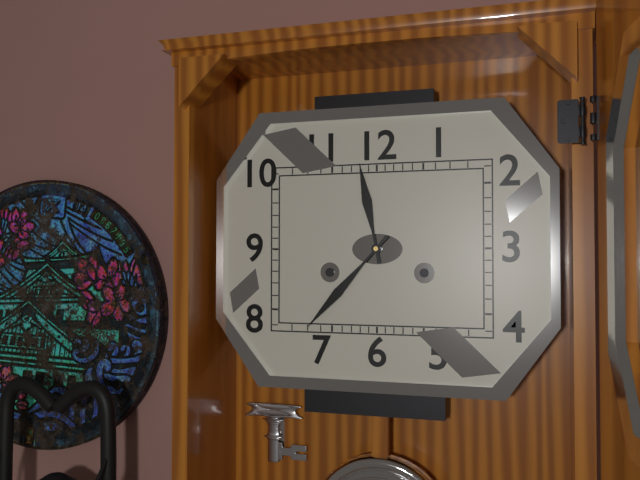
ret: {"hour": 11, "minute": 37}
